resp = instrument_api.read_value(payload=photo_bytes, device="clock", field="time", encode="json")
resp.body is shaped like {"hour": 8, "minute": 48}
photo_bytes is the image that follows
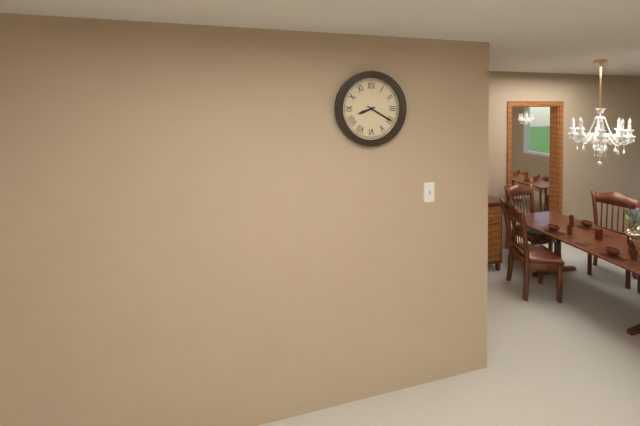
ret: {"hour": 8, "minute": 20}
